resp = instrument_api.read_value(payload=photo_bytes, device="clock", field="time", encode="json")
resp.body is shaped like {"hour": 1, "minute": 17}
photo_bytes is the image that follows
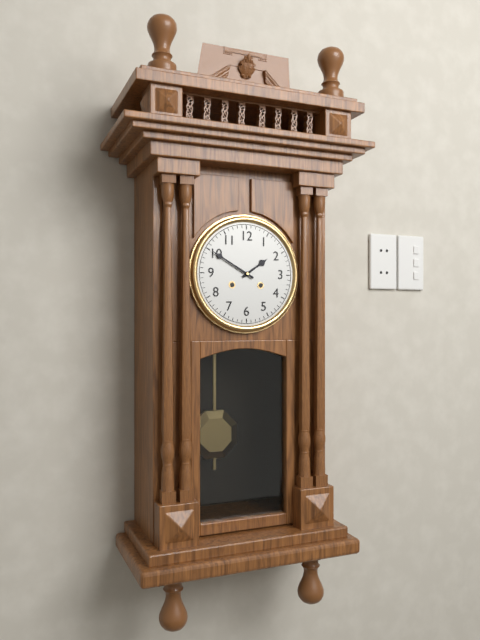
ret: {"hour": 1, "minute": 50}
